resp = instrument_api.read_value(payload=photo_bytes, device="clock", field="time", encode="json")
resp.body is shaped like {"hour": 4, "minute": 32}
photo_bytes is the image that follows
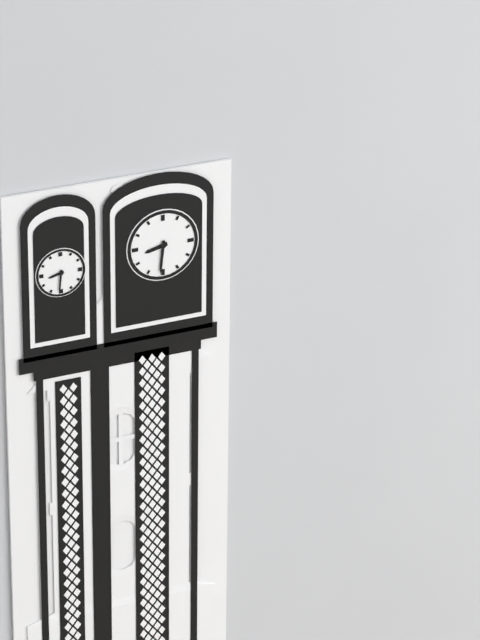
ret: {"hour": 8, "minute": 31}
